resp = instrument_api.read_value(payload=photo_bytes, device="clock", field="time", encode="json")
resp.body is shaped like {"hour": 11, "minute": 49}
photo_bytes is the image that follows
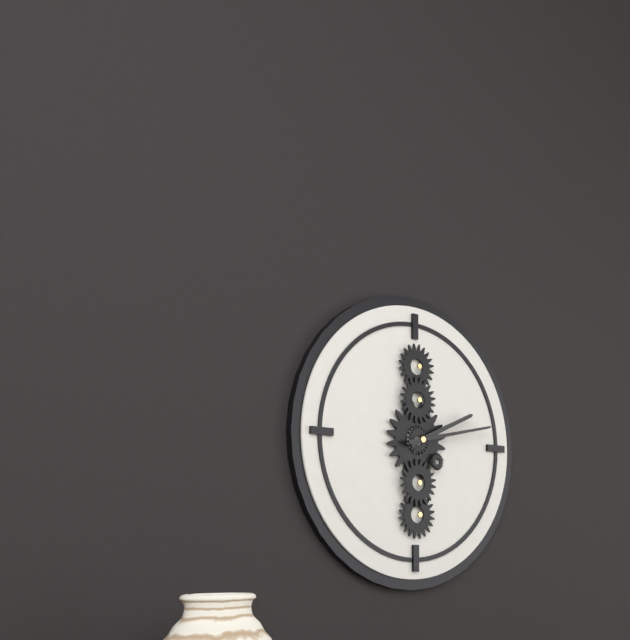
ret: {"hour": 2, "minute": 13}
